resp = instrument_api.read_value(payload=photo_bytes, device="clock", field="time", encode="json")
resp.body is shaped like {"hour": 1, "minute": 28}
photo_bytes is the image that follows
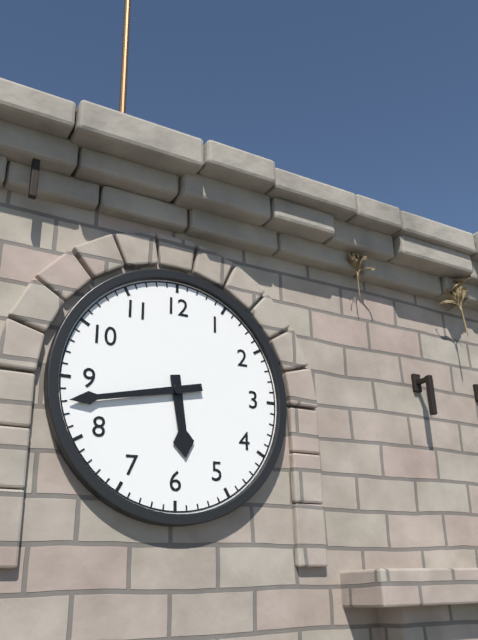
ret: {"hour": 5, "minute": 43}
